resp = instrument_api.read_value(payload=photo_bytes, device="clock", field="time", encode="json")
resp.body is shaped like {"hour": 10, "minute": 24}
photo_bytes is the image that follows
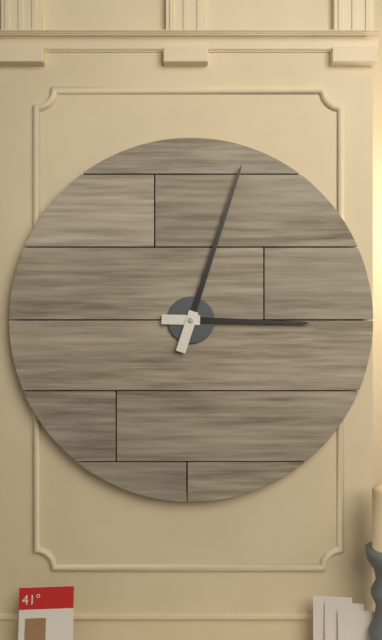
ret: {"hour": 3, "minute": 3}
